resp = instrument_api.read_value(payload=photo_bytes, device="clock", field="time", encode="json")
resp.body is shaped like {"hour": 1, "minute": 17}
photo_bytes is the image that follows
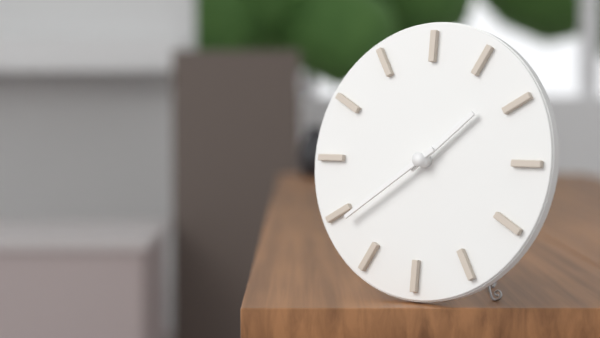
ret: {"hour": 1, "minute": 39}
